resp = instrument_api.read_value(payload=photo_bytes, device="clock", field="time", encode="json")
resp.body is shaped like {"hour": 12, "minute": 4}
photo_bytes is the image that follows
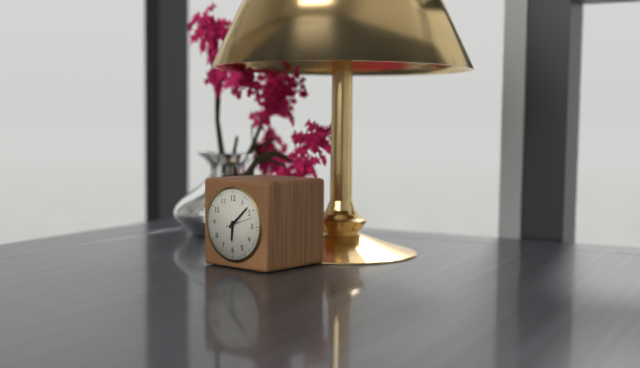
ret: {"hour": 6, "minute": 8}
